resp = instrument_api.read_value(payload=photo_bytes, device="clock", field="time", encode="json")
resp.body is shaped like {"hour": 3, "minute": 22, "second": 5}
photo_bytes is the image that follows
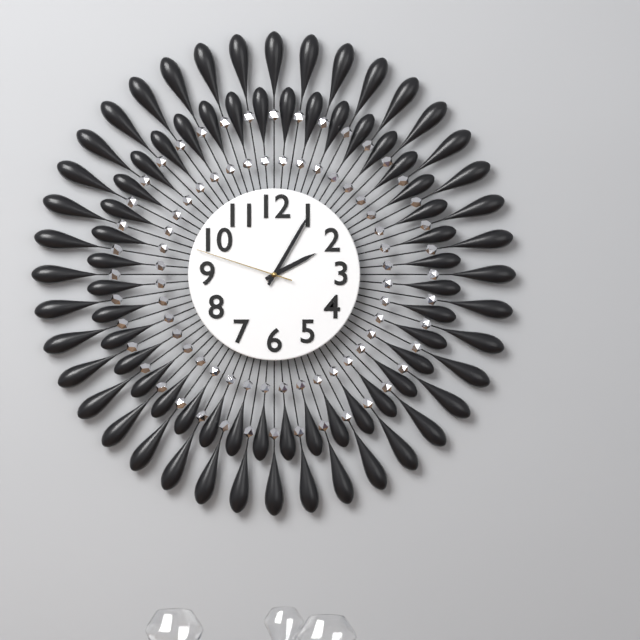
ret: {"hour": 2, "minute": 5, "second": 48}
